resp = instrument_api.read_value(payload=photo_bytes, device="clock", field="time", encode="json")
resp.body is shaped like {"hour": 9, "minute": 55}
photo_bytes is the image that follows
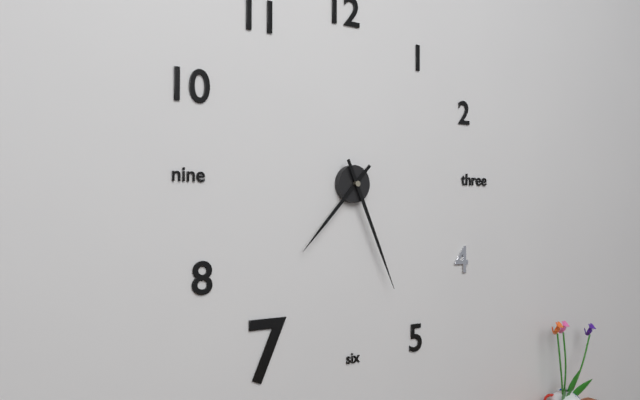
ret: {"hour": 7, "minute": 26}
